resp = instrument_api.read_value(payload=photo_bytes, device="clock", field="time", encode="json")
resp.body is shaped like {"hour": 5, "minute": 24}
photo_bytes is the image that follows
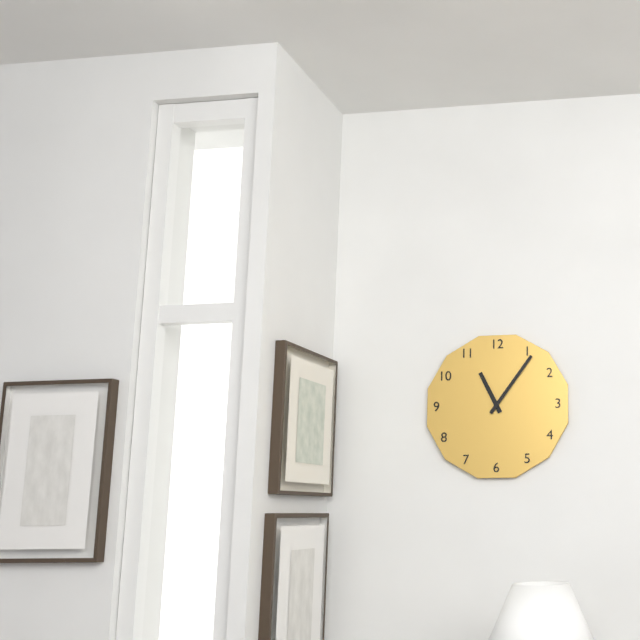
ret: {"hour": 11, "minute": 6}
